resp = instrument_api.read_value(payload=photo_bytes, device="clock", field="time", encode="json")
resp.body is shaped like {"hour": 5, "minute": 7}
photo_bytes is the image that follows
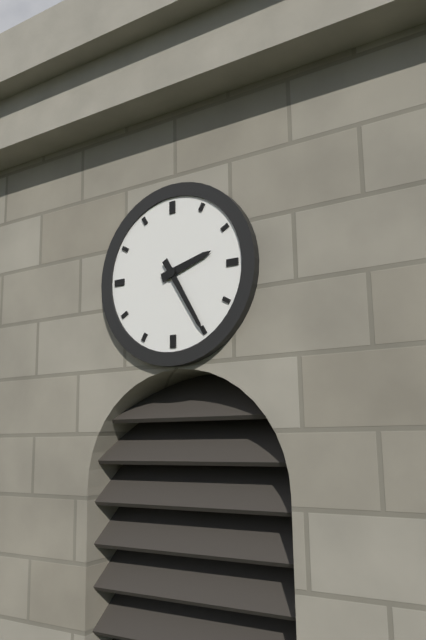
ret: {"hour": 2, "minute": 25}
